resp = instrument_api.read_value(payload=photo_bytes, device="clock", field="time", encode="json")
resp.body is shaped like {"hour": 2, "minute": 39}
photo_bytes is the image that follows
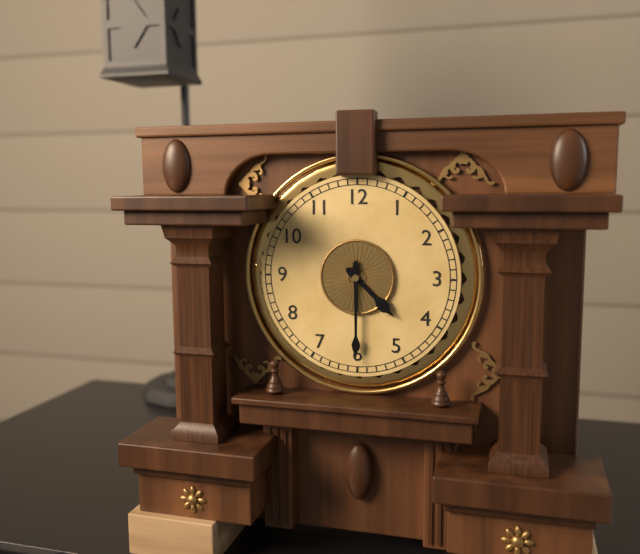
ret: {"hour": 4, "minute": 30}
